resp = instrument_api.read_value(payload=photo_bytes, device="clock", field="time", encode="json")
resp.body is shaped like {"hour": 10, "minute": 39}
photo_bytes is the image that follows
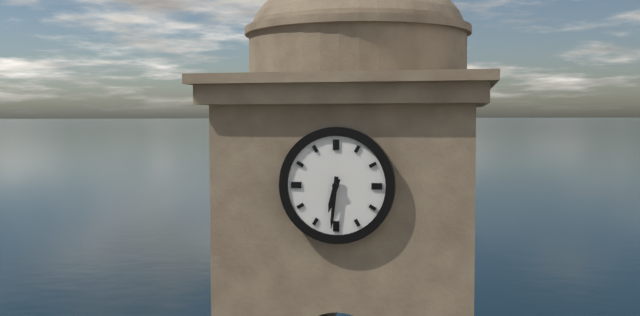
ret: {"hour": 6, "minute": 31}
